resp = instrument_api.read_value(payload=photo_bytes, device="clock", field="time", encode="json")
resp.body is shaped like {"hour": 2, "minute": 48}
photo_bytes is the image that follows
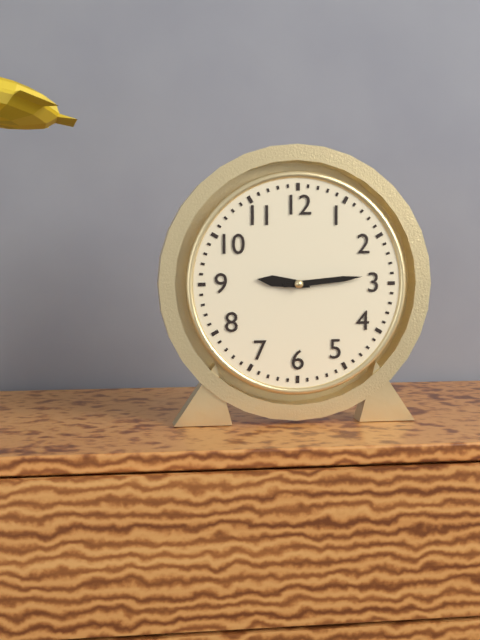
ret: {"hour": 9, "minute": 14}
